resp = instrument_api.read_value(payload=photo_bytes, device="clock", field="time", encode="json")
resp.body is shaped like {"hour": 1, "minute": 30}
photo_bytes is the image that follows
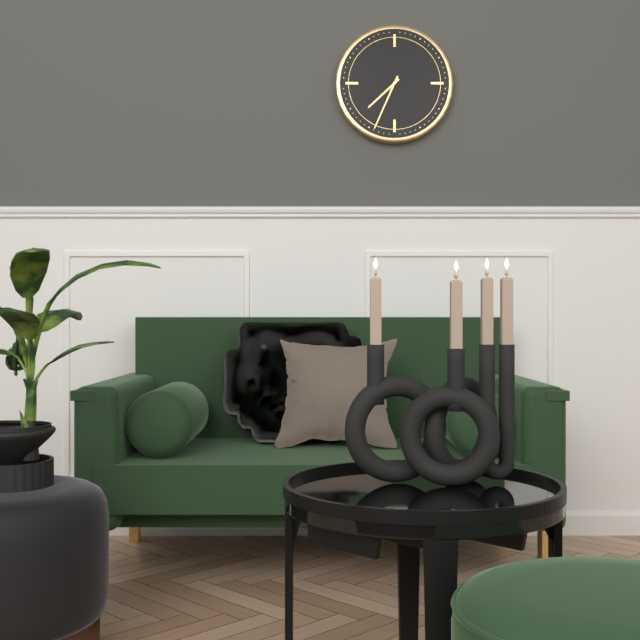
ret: {"hour": 7, "minute": 34}
